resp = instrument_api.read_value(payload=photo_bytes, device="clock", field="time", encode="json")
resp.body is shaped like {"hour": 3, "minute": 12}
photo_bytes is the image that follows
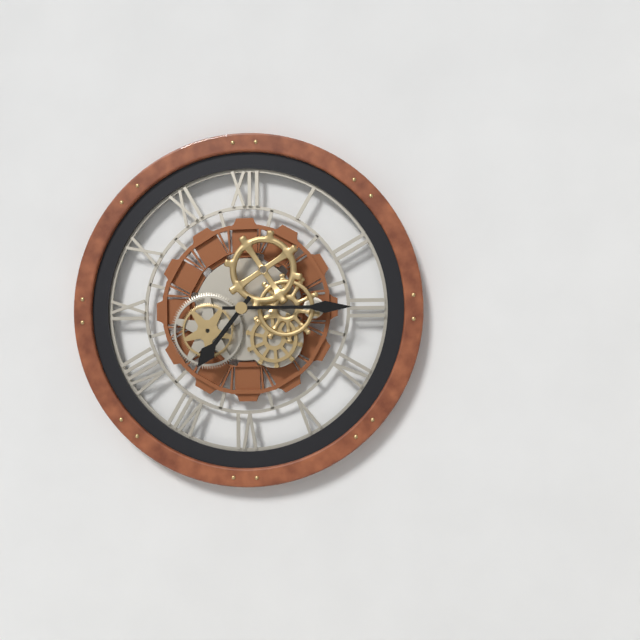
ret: {"hour": 7, "minute": 15}
